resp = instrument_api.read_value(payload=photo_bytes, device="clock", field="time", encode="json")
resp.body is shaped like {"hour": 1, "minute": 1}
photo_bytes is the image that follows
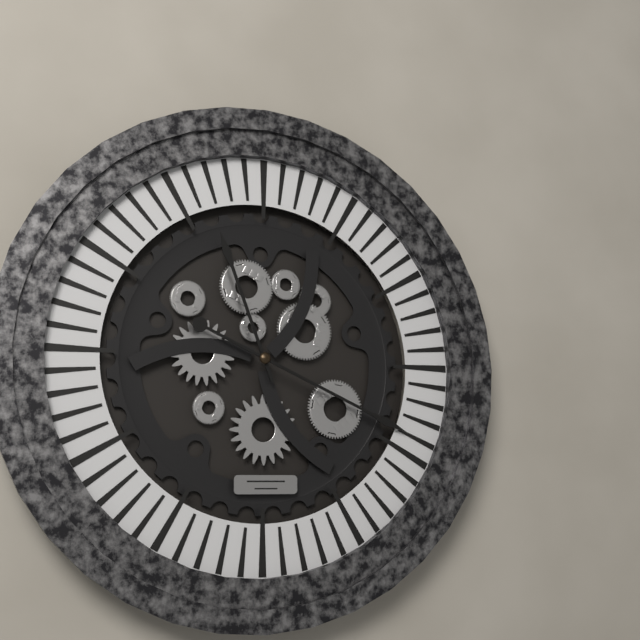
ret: {"hour": 11, "minute": 19}
